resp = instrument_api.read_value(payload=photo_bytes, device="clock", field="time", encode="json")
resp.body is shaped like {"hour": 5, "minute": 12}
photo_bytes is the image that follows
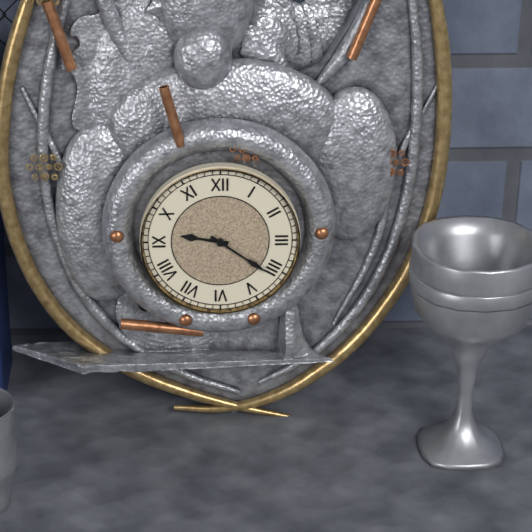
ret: {"hour": 9, "minute": 21}
